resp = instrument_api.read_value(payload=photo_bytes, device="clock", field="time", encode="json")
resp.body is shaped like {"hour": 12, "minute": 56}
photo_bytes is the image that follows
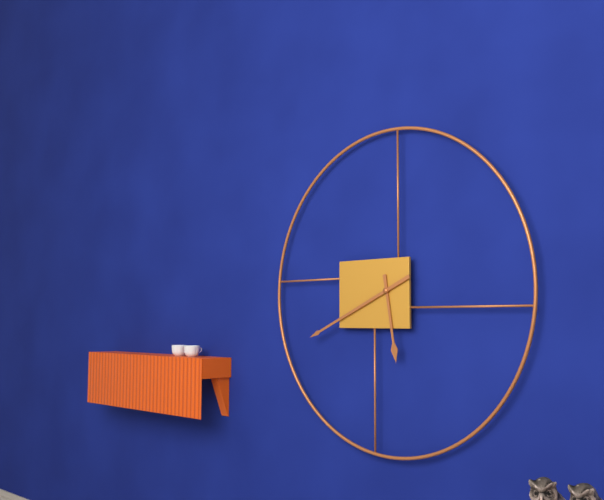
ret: {"hour": 5, "minute": 41}
